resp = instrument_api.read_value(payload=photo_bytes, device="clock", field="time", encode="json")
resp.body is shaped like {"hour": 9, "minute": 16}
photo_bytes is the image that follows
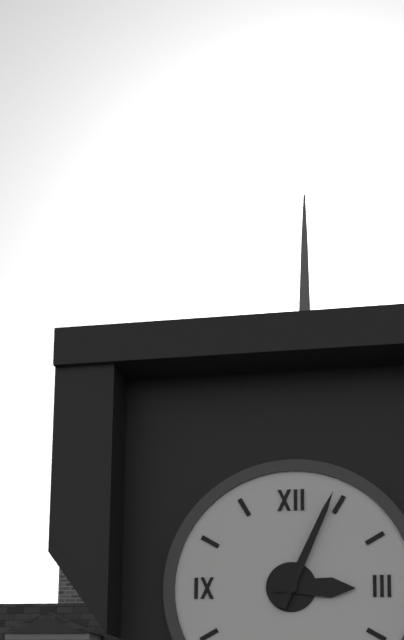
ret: {"hour": 3, "minute": 4}
